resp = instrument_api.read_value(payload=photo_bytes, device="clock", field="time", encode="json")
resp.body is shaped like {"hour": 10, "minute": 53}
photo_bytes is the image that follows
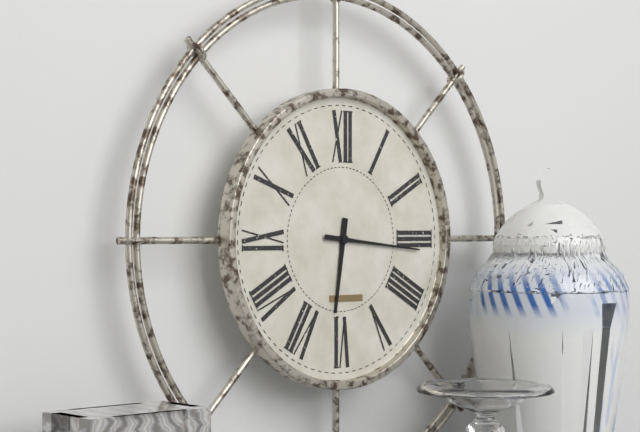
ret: {"hour": 6, "minute": 16}
